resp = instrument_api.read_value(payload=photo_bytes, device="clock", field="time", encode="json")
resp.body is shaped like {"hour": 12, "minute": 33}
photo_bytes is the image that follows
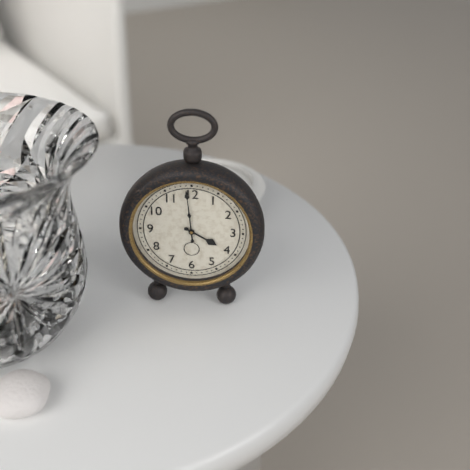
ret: {"hour": 3, "minute": 59}
